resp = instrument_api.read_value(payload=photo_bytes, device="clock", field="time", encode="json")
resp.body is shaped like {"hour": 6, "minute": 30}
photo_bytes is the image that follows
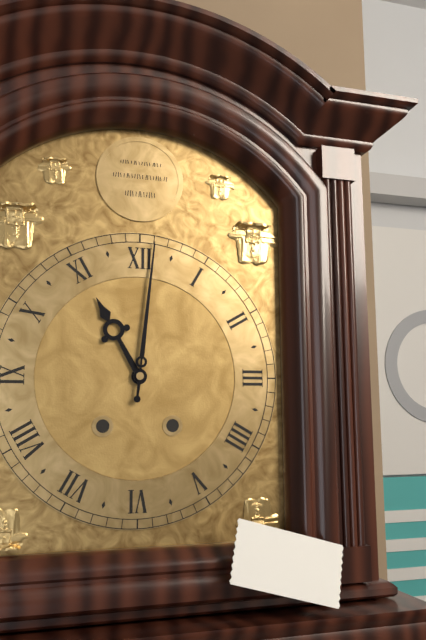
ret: {"hour": 11, "minute": 1}
